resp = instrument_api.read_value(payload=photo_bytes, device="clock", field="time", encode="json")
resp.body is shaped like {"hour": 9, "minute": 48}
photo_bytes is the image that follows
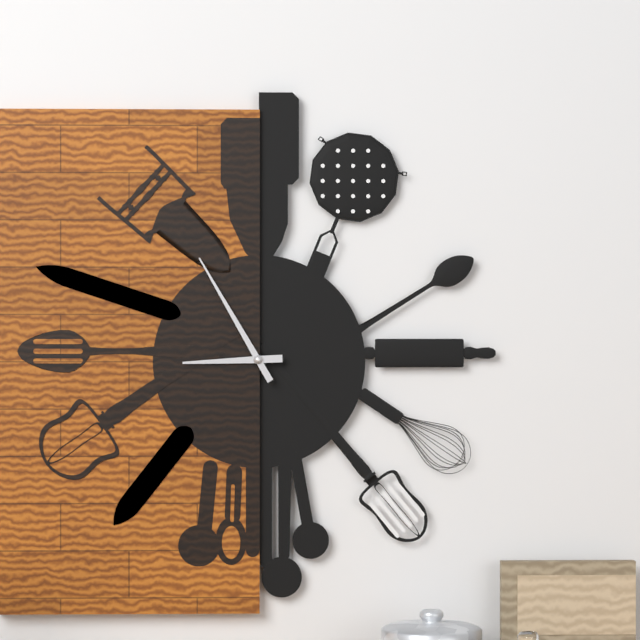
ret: {"hour": 8, "minute": 55}
